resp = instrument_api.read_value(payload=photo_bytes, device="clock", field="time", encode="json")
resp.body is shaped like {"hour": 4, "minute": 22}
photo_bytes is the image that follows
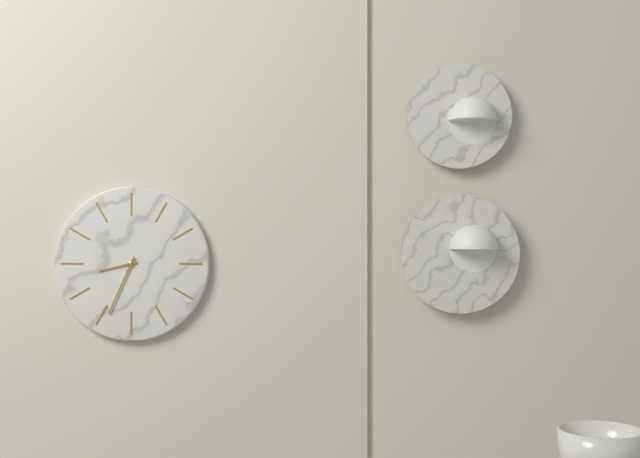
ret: {"hour": 8, "minute": 34}
